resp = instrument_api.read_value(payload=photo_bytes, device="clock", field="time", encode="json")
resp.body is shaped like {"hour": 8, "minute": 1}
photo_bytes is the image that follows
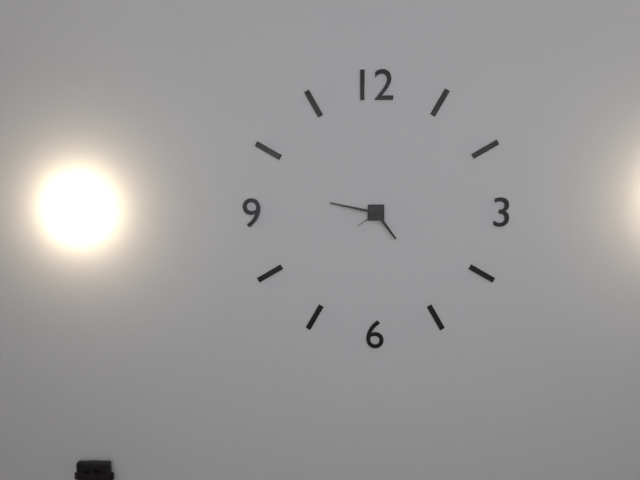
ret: {"hour": 4, "minute": 47}
